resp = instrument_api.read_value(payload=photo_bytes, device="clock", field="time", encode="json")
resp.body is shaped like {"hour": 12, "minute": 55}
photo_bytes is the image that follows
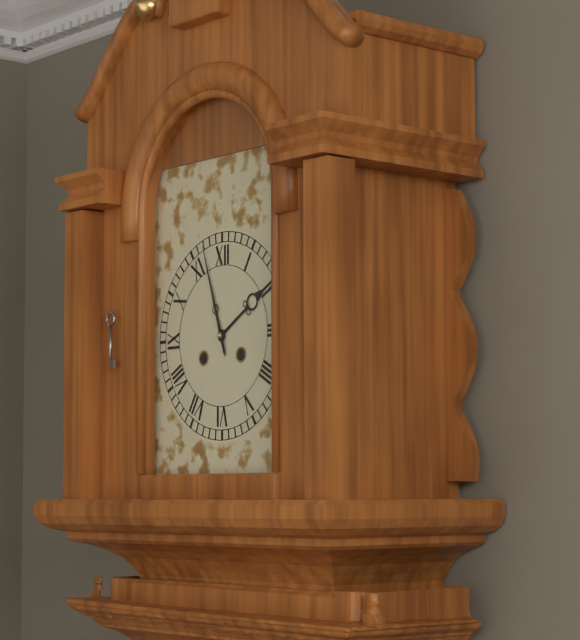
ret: {"hour": 1, "minute": 57}
